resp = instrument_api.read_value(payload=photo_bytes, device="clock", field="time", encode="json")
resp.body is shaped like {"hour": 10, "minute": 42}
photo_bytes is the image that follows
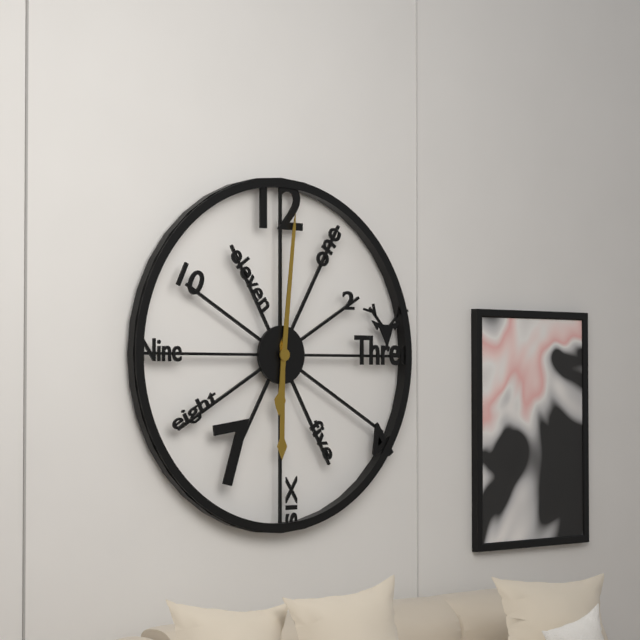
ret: {"hour": 6, "minute": 1}
